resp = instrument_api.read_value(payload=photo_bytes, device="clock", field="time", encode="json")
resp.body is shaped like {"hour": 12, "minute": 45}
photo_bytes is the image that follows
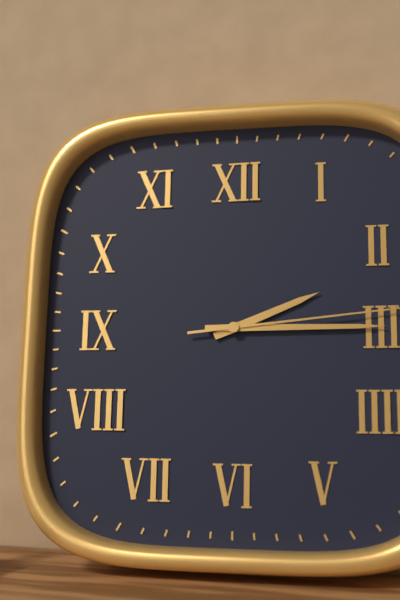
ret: {"hour": 2, "minute": 15}
